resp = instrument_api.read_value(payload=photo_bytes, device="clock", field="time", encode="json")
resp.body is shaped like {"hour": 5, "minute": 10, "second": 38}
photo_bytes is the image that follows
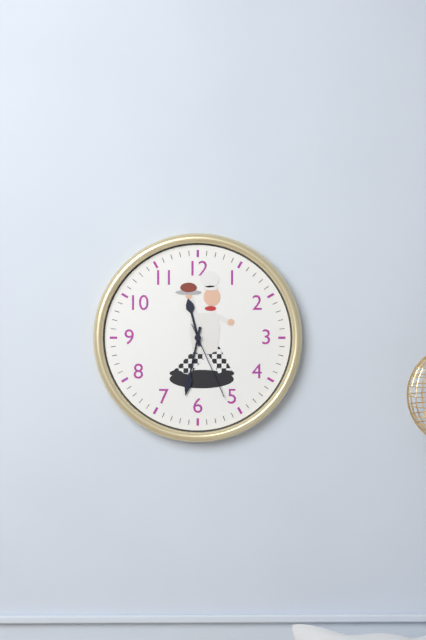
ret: {"hour": 11, "minute": 32, "second": 26}
